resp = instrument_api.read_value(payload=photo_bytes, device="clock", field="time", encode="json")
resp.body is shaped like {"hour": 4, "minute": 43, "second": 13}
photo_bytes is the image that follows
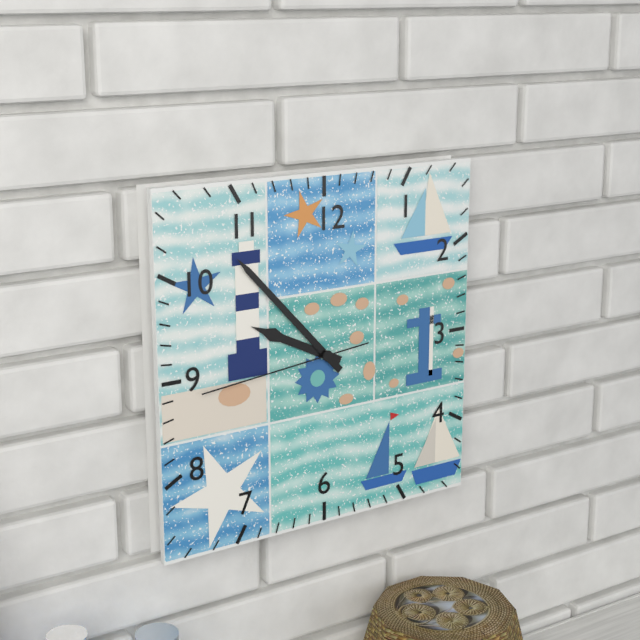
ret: {"hour": 9, "minute": 53, "second": 44}
